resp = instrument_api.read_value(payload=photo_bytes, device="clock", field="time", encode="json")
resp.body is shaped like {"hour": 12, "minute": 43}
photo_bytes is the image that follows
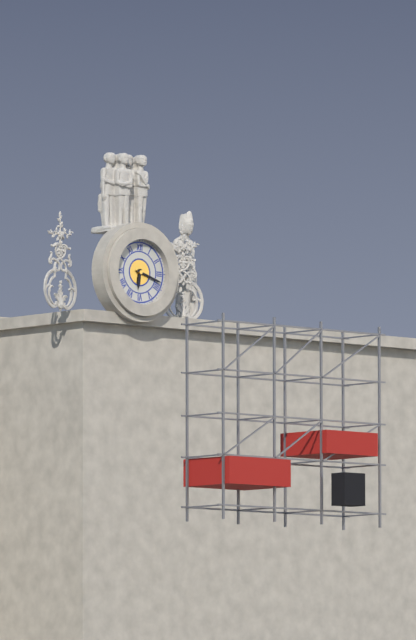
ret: {"hour": 6, "minute": 18}
